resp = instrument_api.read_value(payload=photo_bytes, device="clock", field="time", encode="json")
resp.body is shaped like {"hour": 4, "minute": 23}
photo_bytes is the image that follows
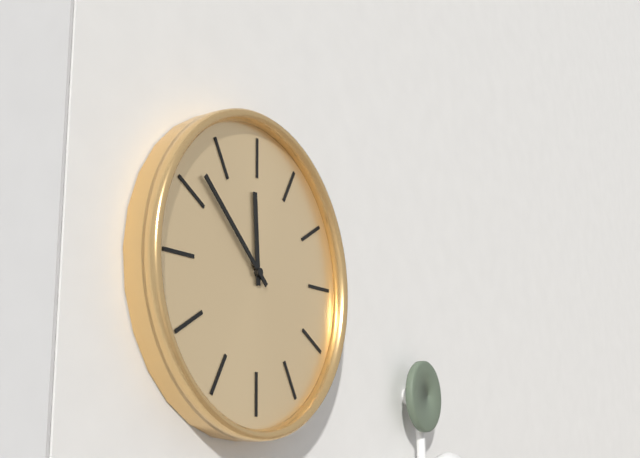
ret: {"hour": 11, "minute": 52}
